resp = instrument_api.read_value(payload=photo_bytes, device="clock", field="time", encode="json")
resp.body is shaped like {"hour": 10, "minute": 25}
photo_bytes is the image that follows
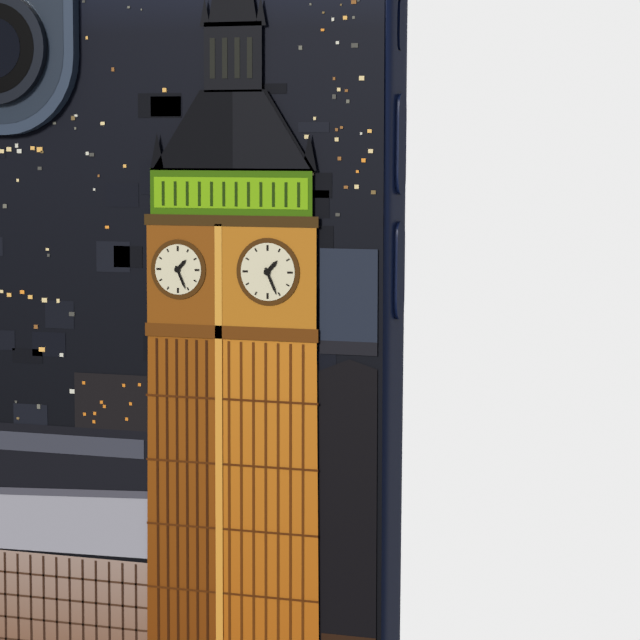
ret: {"hour": 1, "minute": 26}
